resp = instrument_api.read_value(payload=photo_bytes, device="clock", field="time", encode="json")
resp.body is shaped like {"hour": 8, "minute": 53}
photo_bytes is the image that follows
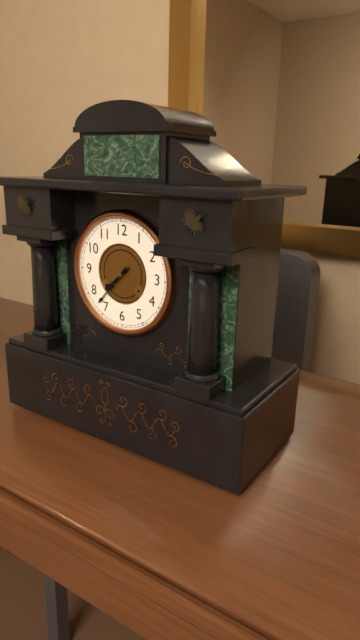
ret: {"hour": 7, "minute": 37}
